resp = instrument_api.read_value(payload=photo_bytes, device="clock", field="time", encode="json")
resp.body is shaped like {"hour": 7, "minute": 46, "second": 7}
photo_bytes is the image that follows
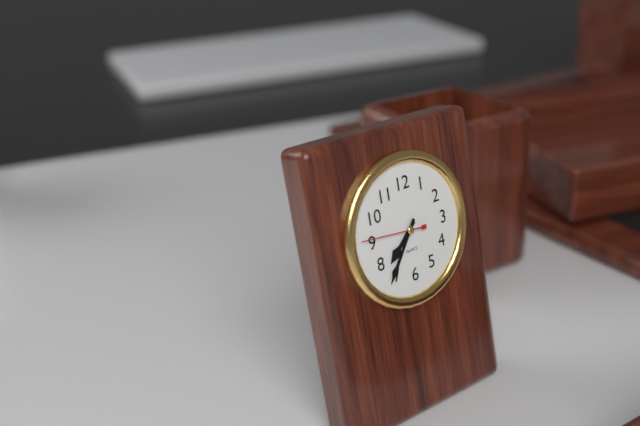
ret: {"hour": 7, "minute": 36, "second": 46}
